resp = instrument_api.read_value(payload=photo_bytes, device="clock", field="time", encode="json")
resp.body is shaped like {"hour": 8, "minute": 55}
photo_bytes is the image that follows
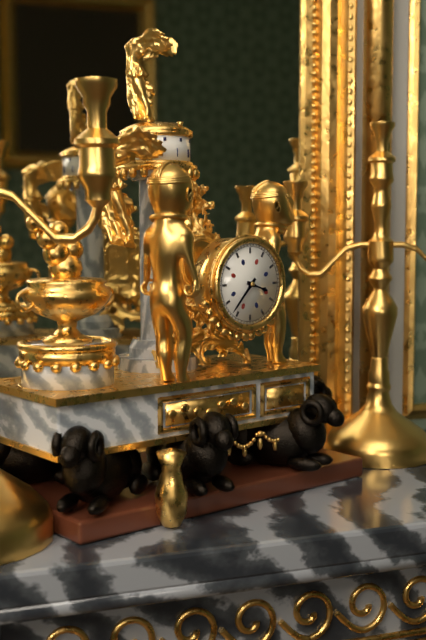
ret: {"hour": 3, "minute": 37}
